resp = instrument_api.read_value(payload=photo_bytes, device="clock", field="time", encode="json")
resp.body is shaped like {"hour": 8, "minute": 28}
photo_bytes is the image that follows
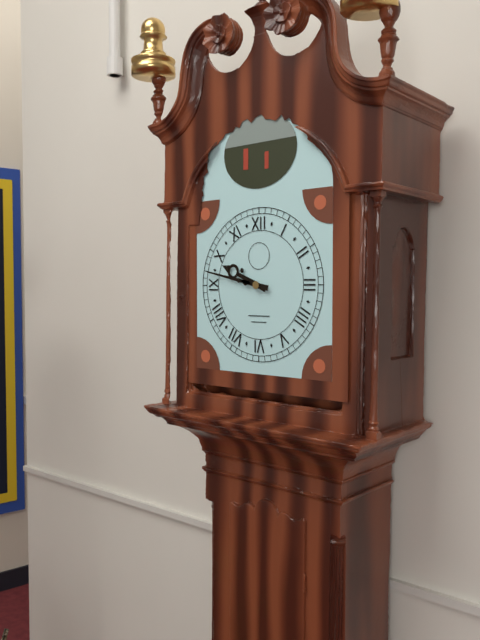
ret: {"hour": 9, "minute": 47}
